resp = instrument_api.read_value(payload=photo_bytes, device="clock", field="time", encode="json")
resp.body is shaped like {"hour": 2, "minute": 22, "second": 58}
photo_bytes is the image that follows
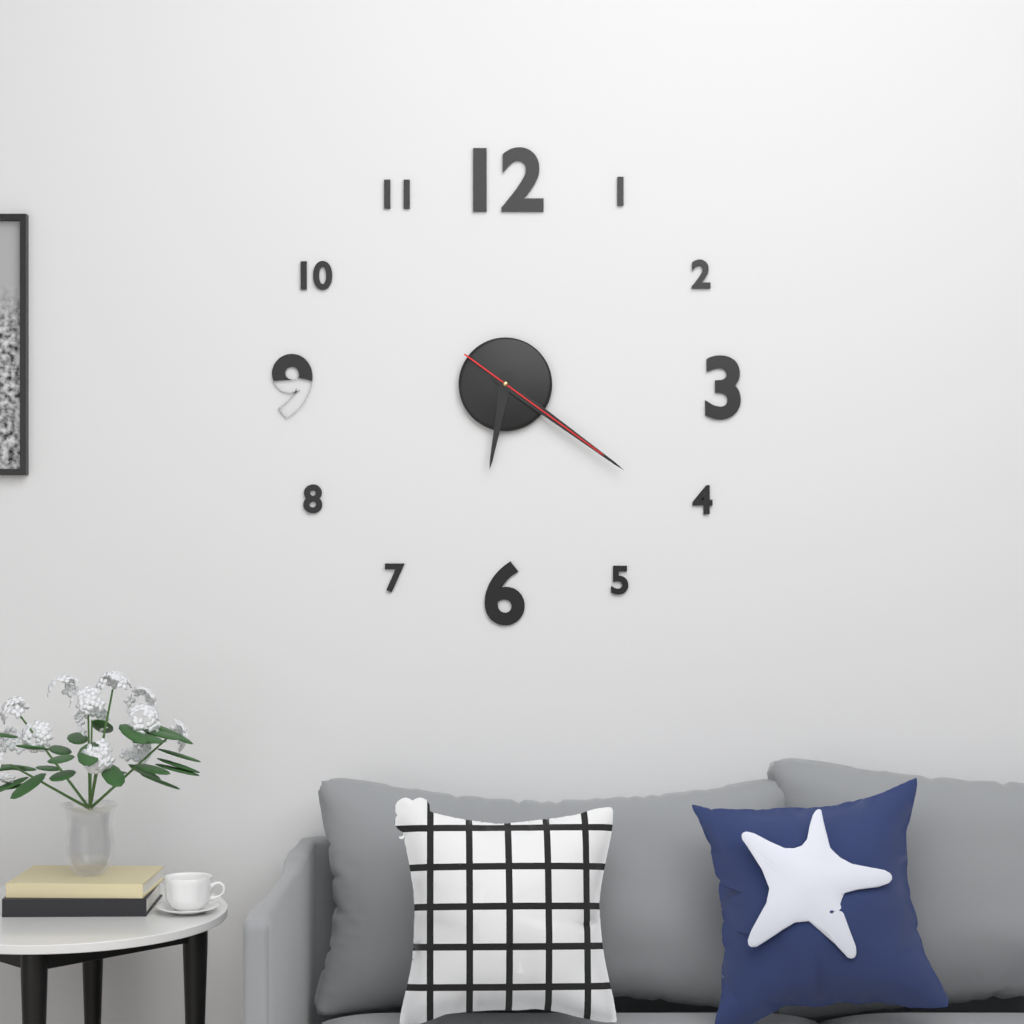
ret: {"hour": 6, "minute": 21, "second": 21}
